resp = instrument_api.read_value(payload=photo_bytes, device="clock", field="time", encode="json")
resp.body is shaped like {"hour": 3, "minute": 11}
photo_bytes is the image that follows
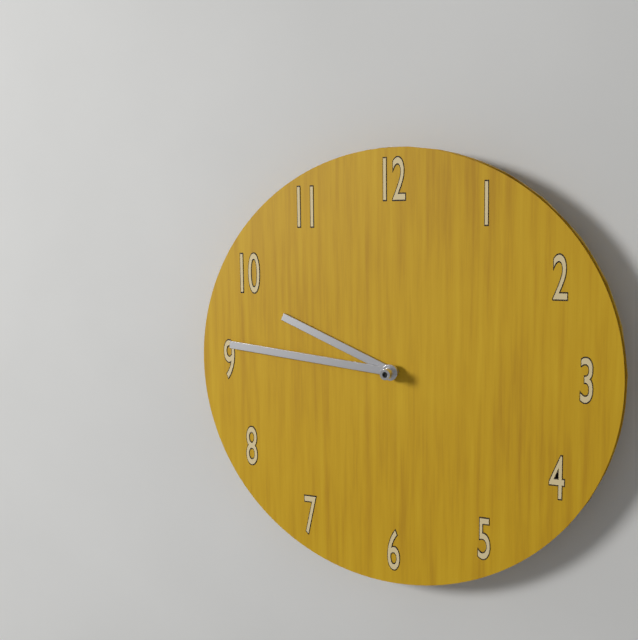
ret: {"hour": 9, "minute": 46}
